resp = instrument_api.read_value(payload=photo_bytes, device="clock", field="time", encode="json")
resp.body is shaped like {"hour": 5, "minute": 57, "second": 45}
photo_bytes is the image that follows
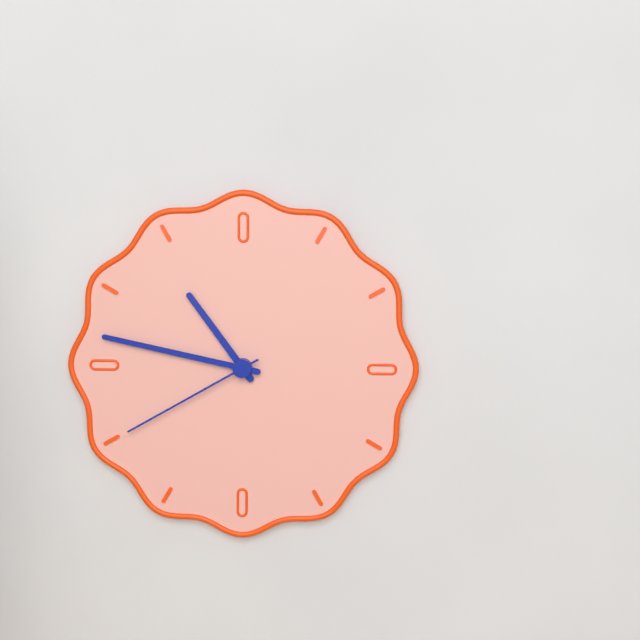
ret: {"hour": 10, "minute": 47, "second": 40}
